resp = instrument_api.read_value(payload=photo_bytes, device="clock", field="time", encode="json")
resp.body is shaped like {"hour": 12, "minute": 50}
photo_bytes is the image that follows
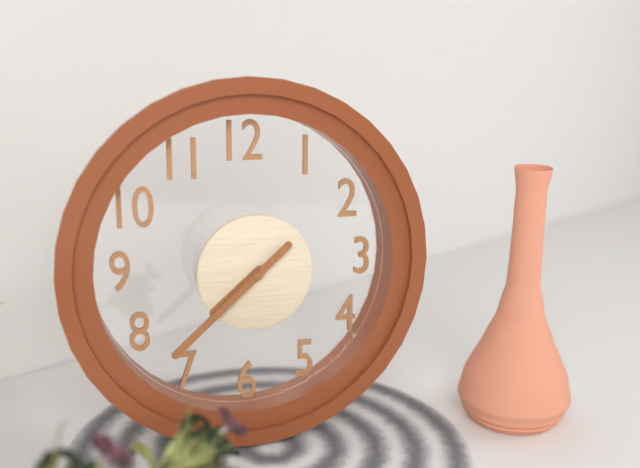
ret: {"hour": 7, "minute": 38}
